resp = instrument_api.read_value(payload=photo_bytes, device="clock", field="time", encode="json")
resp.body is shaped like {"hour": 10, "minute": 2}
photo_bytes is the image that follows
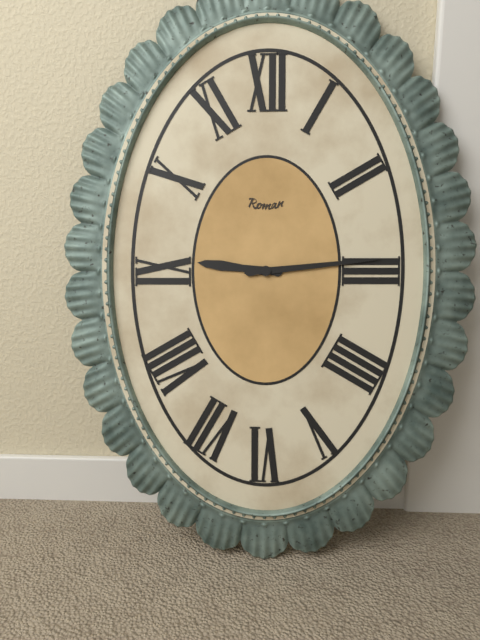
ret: {"hour": 9, "minute": 14}
